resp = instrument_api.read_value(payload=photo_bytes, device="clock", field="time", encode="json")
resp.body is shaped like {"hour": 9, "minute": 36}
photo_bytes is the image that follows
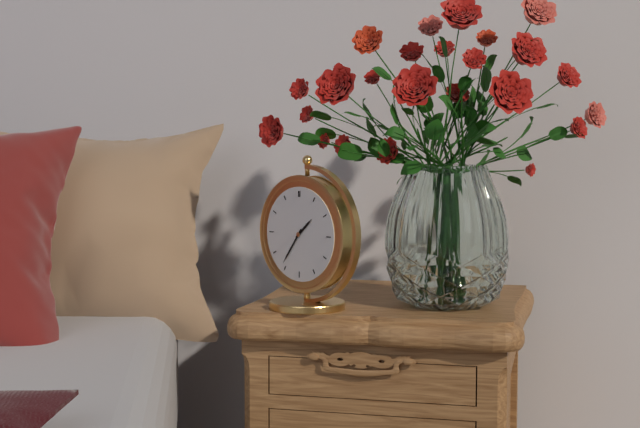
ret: {"hour": 1, "minute": 36}
